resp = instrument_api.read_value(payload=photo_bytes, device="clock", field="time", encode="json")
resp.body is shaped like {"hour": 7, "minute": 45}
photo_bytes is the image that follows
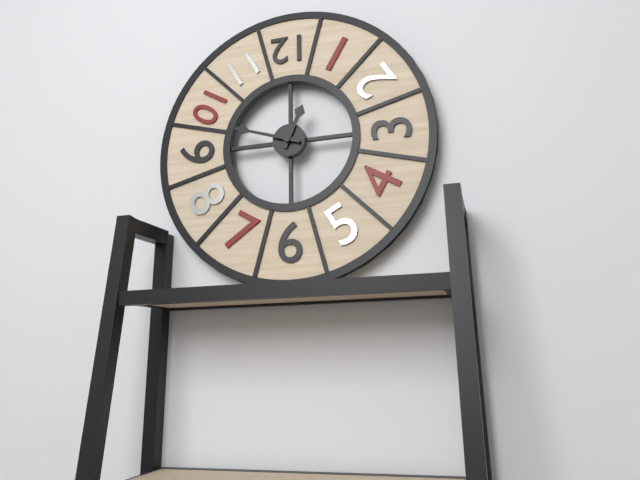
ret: {"hour": 12, "minute": 48}
